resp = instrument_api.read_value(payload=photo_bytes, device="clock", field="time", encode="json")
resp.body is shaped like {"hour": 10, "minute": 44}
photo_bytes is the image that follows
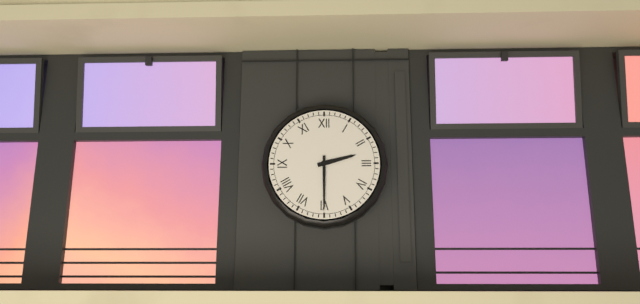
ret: {"hour": 2, "minute": 30}
